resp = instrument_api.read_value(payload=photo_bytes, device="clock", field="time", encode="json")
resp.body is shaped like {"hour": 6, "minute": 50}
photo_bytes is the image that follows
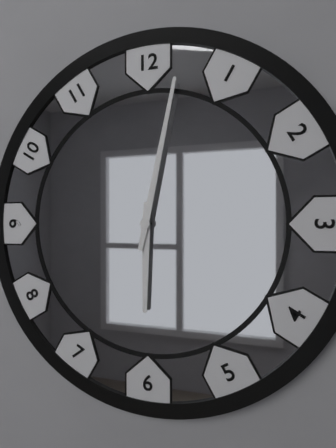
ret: {"hour": 6, "minute": 2}
